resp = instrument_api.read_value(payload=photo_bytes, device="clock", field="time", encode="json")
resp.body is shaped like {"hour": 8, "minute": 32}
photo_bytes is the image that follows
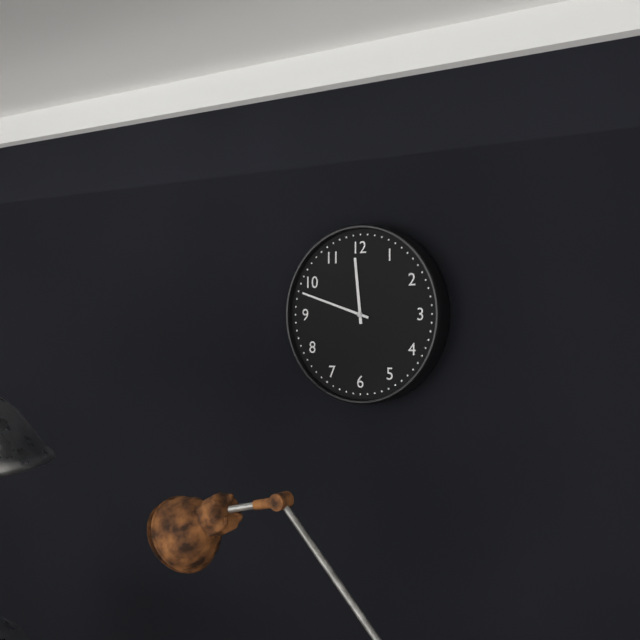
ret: {"hour": 11, "minute": 48}
